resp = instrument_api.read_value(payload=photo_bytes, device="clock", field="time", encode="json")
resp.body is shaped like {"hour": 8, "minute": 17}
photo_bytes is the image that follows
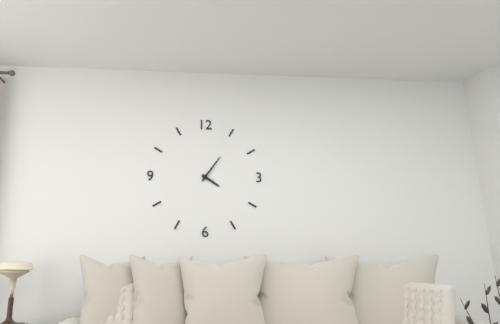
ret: {"hour": 4, "minute": 6}
